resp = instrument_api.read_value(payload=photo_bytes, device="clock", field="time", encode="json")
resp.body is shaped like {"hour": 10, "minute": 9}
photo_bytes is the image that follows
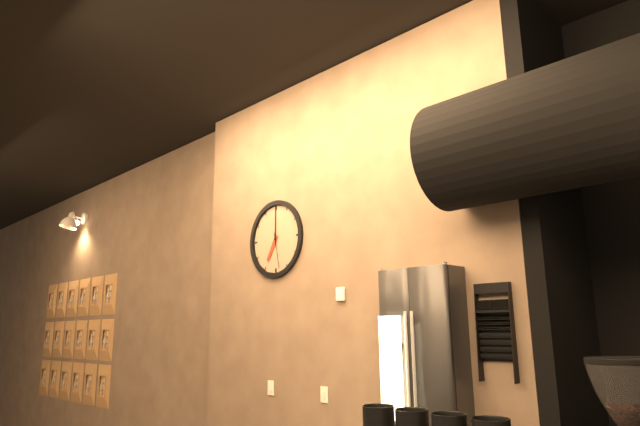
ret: {"hour": 7, "minute": 0}
